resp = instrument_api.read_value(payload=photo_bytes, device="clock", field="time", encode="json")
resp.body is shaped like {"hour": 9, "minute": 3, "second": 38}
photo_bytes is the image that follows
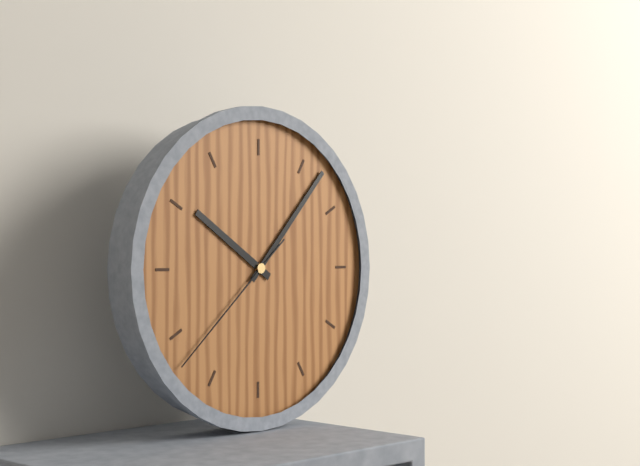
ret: {"hour": 10, "minute": 7, "second": 38}
